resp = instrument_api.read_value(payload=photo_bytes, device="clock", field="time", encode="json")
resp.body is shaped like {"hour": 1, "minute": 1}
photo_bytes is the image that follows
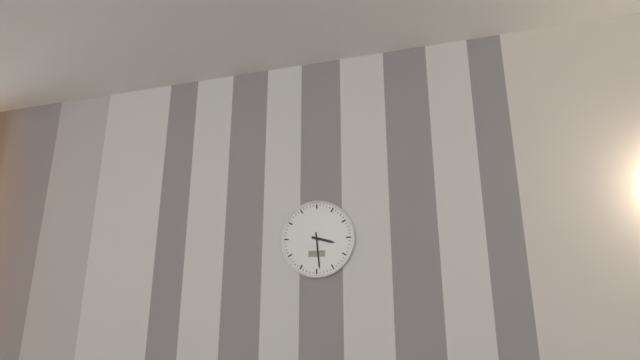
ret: {"hour": 3, "minute": 29}
